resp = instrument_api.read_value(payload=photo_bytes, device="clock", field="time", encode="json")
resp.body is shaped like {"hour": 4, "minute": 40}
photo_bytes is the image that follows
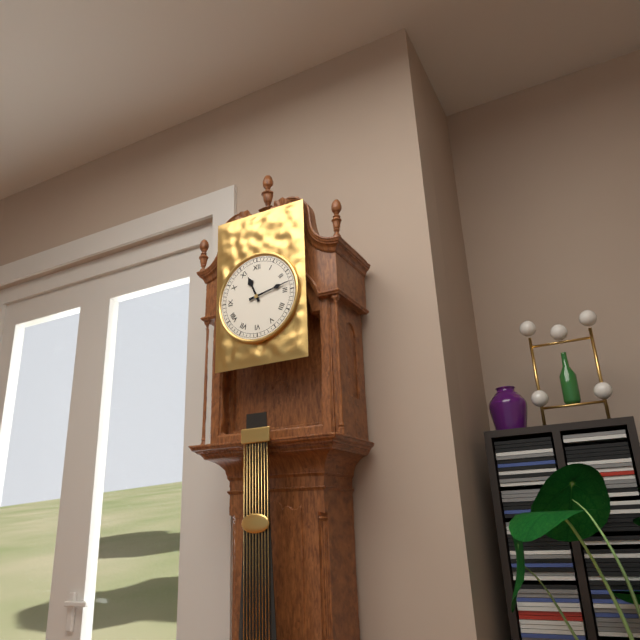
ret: {"hour": 11, "minute": 13}
